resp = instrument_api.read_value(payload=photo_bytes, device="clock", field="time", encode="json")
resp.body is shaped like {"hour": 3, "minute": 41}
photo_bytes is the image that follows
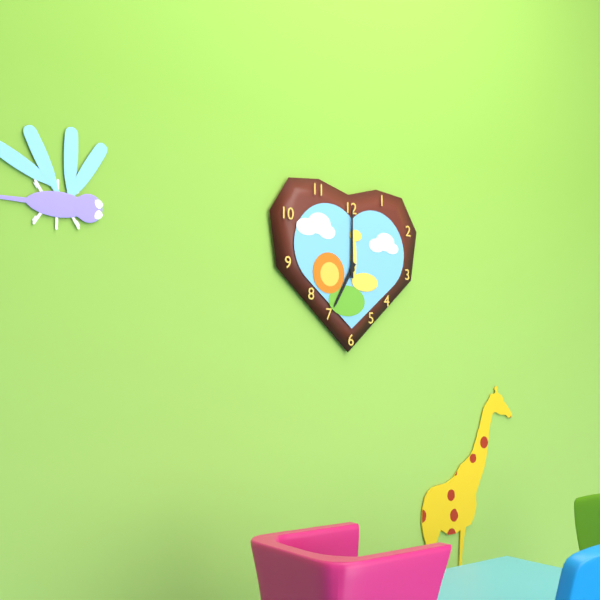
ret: {"hour": 7, "minute": 0}
